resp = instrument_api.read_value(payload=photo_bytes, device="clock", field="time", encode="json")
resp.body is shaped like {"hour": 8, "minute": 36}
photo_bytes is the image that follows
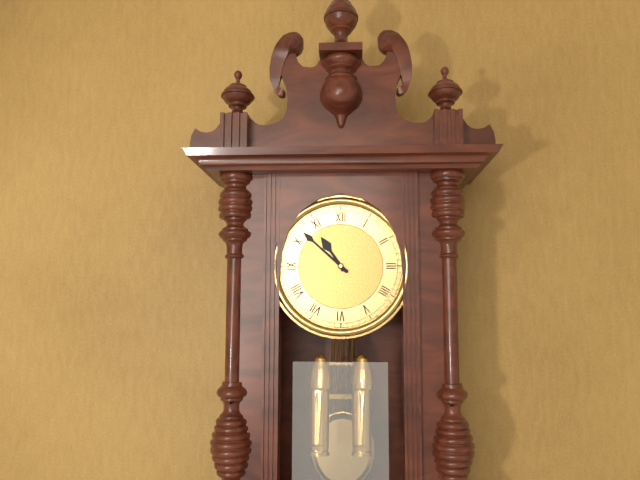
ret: {"hour": 10, "minute": 52}
